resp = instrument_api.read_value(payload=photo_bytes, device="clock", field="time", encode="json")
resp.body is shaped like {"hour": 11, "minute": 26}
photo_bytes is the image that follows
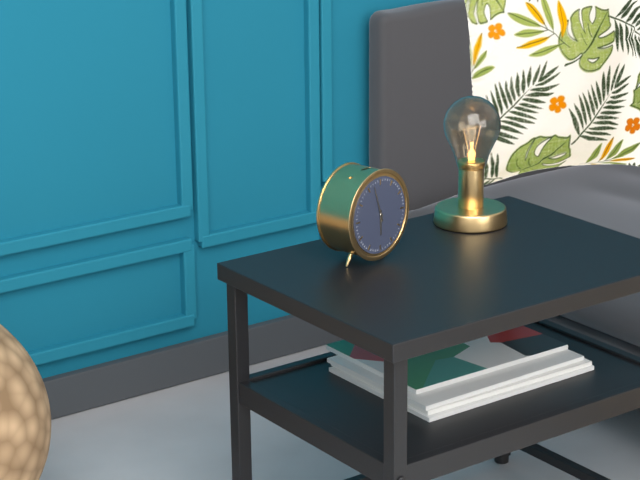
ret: {"hour": 5, "minute": 57}
